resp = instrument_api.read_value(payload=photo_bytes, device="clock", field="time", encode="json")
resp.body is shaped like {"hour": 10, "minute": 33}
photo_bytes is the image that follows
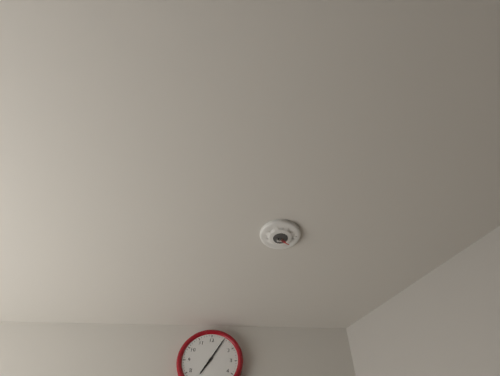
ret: {"hour": 7, "minute": 5}
